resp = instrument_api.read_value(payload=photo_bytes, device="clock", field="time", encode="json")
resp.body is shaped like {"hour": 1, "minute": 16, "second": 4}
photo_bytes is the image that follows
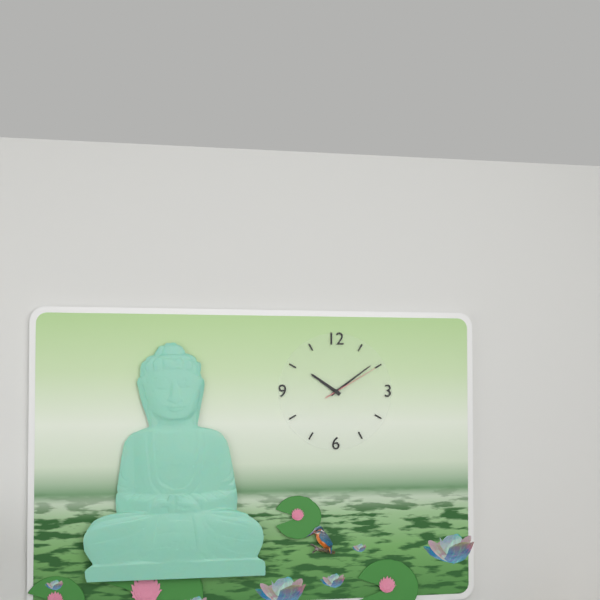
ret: {"hour": 10, "minute": 9, "second": 10}
